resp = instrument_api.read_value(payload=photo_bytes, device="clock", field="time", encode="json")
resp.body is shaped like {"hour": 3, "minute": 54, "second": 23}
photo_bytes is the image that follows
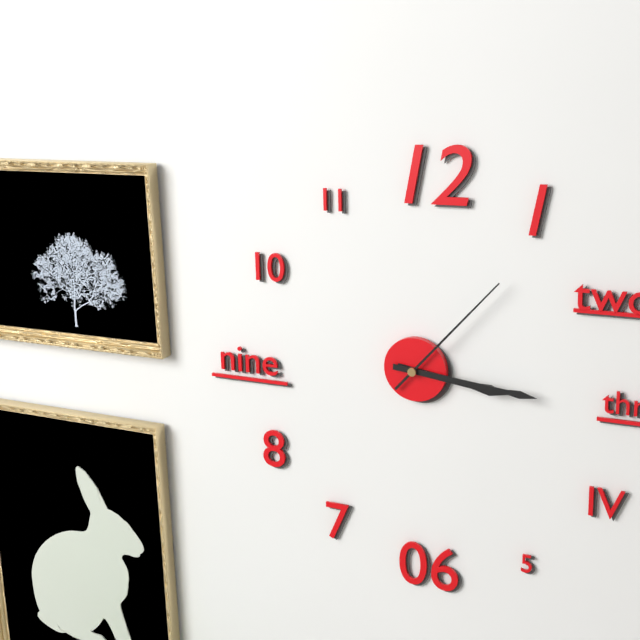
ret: {"hour": 3, "minute": 16, "second": 7}
